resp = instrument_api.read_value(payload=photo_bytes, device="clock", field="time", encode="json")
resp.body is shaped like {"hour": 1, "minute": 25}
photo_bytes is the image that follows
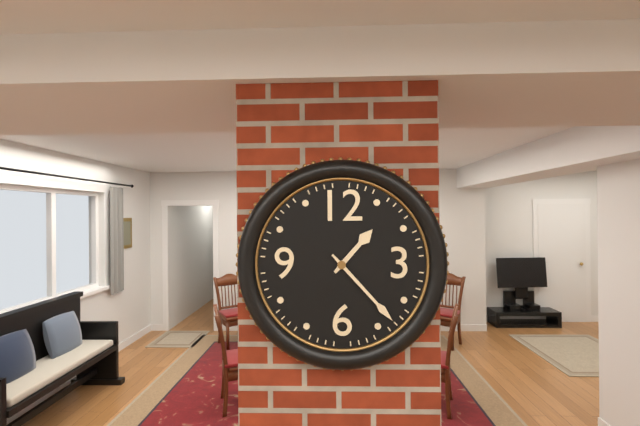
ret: {"hour": 1, "minute": 23}
